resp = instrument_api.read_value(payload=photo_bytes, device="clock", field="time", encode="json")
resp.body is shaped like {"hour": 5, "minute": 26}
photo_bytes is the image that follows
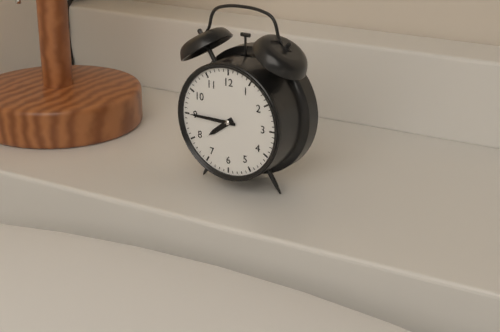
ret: {"hour": 7, "minute": 45}
